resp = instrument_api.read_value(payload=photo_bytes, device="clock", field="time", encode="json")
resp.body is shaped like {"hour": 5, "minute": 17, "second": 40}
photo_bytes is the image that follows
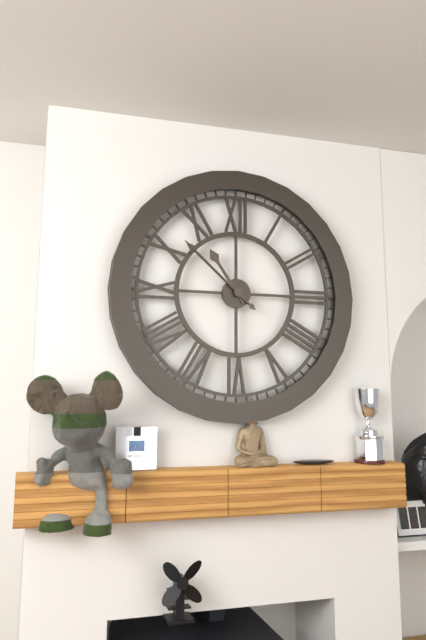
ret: {"hour": 10, "minute": 52, "second": 52}
